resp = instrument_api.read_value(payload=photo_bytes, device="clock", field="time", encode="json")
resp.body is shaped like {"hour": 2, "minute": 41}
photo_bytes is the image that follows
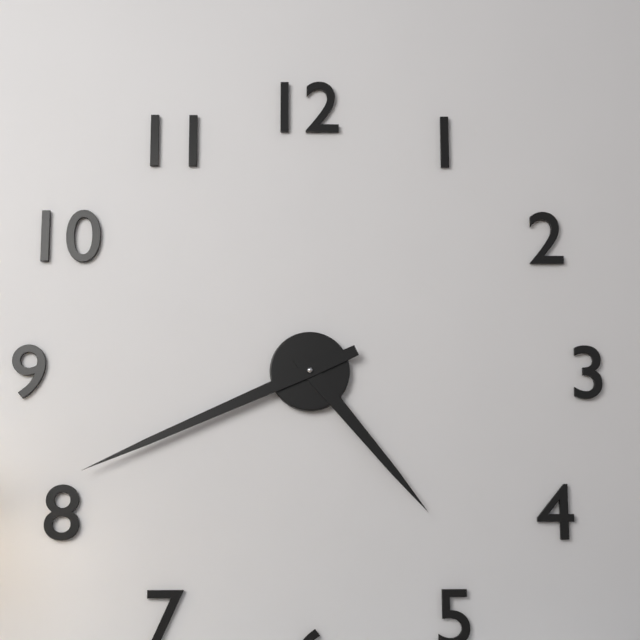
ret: {"hour": 4, "minute": 41}
